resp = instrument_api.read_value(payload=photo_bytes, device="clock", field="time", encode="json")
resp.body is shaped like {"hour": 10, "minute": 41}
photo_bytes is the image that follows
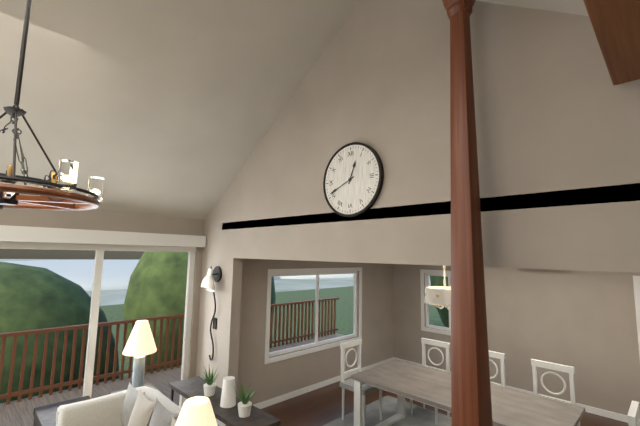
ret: {"hour": 12, "minute": 41}
